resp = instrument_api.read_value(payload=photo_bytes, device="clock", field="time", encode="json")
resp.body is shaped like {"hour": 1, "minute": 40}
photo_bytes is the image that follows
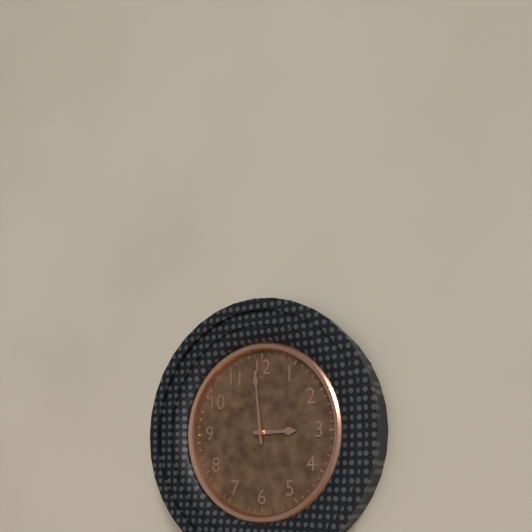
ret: {"hour": 2, "minute": 59}
